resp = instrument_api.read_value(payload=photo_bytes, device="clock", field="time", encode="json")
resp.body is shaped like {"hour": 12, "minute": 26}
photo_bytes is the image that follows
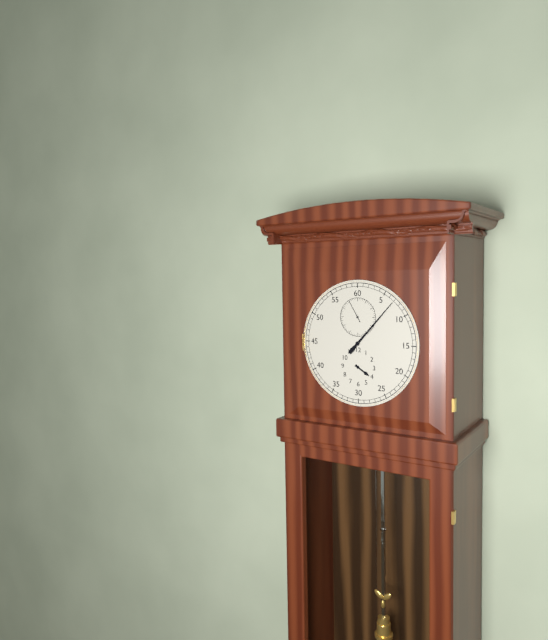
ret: {"hour": 4, "minute": 7}
